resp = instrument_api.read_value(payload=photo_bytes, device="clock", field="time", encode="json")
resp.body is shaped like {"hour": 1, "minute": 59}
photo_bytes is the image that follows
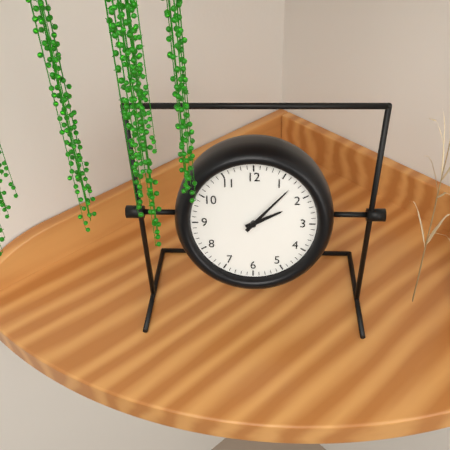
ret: {"hour": 2, "minute": 7}
